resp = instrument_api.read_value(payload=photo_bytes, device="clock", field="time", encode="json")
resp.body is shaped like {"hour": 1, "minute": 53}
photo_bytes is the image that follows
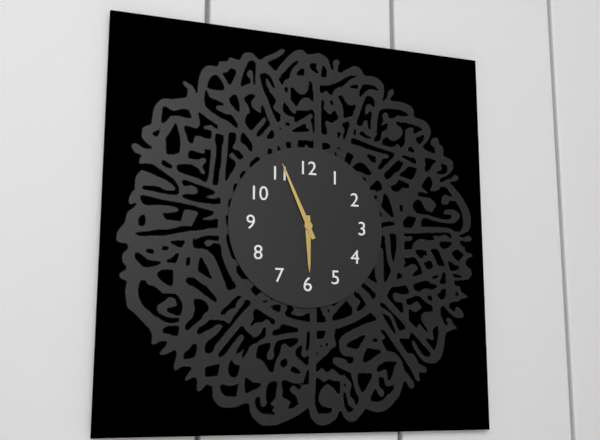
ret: {"hour": 5, "minute": 56}
